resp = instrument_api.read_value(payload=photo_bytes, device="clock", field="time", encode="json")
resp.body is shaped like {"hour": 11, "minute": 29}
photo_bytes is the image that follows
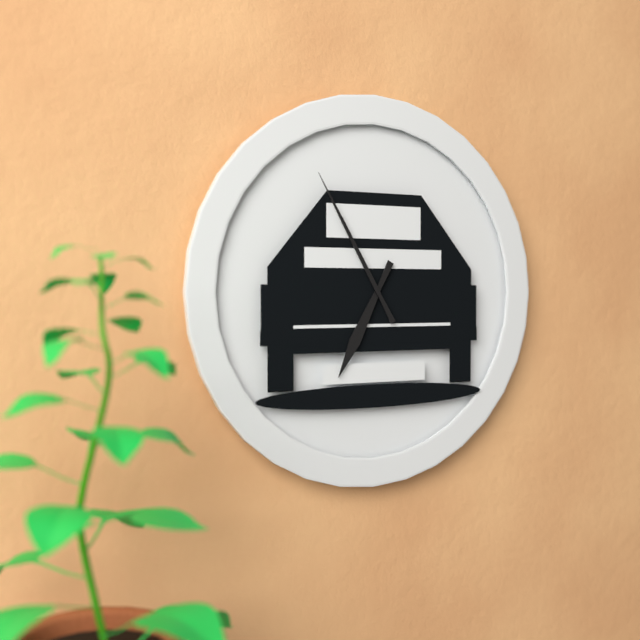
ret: {"hour": 6, "minute": 55}
